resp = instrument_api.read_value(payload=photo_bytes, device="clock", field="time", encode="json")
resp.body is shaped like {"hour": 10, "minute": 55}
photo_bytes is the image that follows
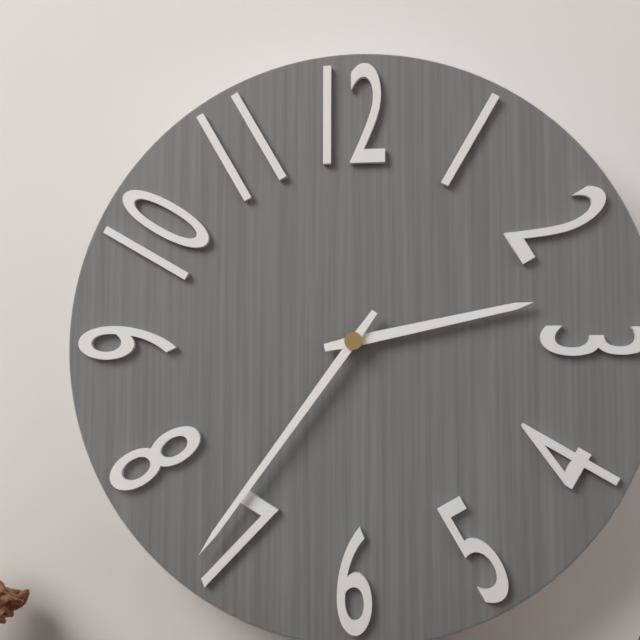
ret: {"hour": 2, "minute": 36}
